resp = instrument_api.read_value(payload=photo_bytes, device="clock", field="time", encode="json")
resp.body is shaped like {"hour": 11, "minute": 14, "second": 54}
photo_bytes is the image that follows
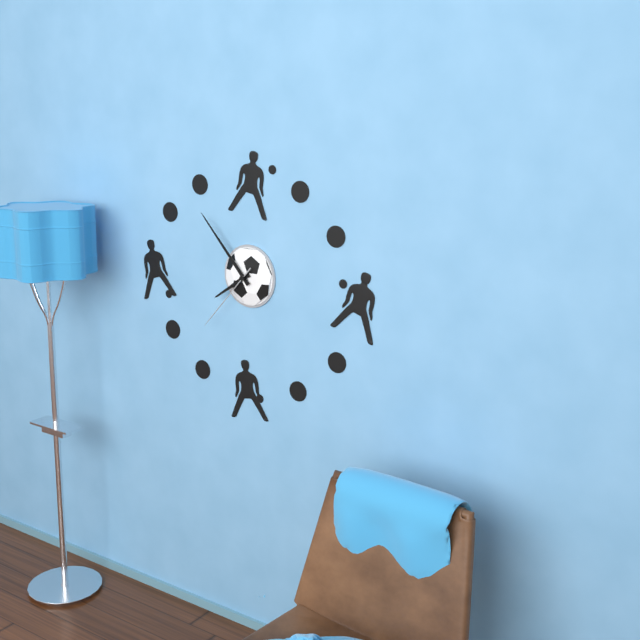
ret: {"hour": 7, "minute": 53, "second": 37}
